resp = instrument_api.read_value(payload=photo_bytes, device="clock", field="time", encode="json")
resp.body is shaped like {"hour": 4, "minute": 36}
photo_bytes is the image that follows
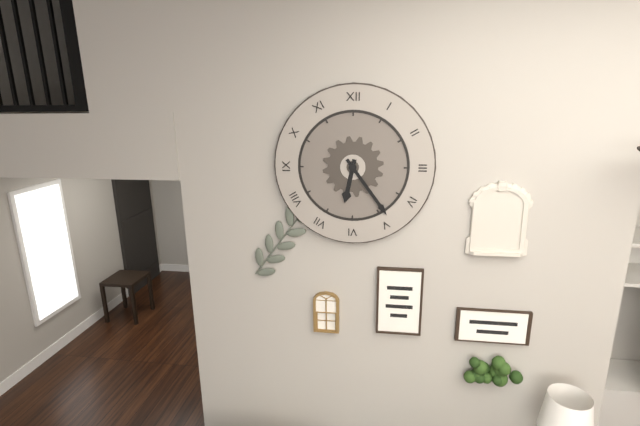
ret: {"hour": 6, "minute": 24}
